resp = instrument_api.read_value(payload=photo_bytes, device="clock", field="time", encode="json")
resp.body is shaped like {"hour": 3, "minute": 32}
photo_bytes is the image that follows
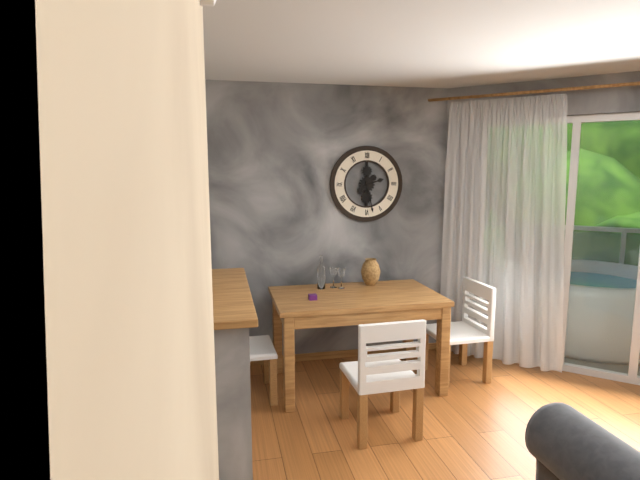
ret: {"hour": 2, "minute": 28}
